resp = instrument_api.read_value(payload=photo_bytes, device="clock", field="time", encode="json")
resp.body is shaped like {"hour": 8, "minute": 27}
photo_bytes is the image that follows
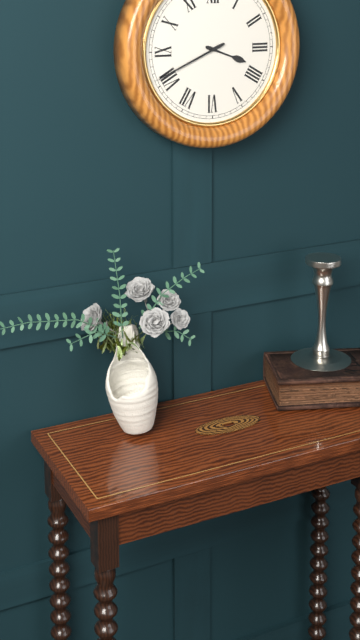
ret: {"hour": 3, "minute": 41}
